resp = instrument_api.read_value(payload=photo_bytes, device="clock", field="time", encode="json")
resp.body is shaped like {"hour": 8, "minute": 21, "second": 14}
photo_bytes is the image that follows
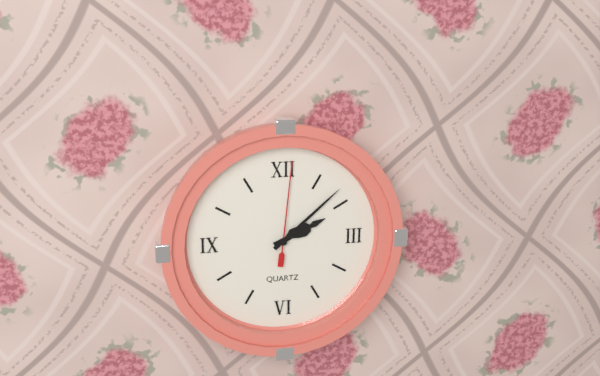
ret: {"hour": 2, "minute": 8, "second": 1}
